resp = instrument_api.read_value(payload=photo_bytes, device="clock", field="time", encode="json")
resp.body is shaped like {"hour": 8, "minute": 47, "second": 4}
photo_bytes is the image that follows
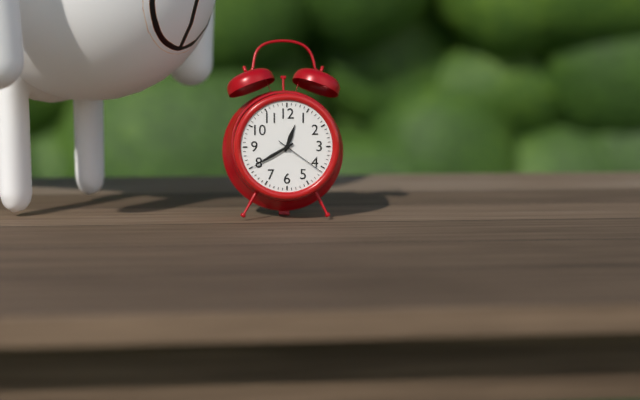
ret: {"hour": 12, "minute": 40, "second": 21}
